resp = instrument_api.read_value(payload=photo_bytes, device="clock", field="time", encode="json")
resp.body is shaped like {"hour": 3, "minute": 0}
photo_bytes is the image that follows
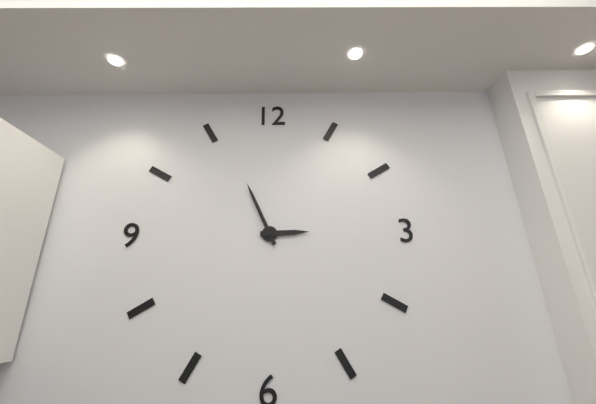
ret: {"hour": 2, "minute": 56}
